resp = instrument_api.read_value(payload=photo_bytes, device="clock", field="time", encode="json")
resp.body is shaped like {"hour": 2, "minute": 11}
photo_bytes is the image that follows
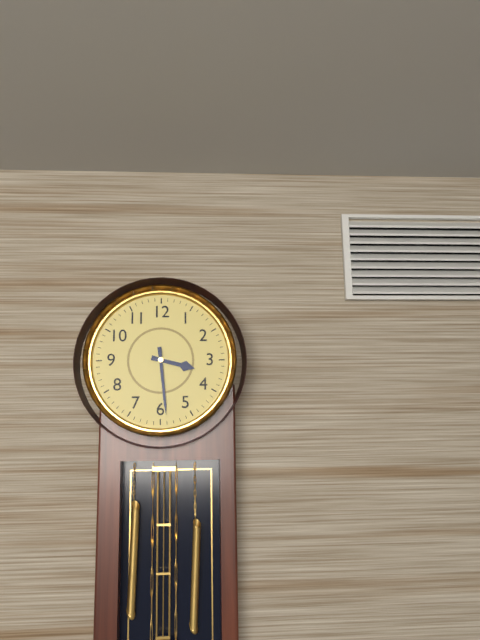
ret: {"hour": 3, "minute": 29}
